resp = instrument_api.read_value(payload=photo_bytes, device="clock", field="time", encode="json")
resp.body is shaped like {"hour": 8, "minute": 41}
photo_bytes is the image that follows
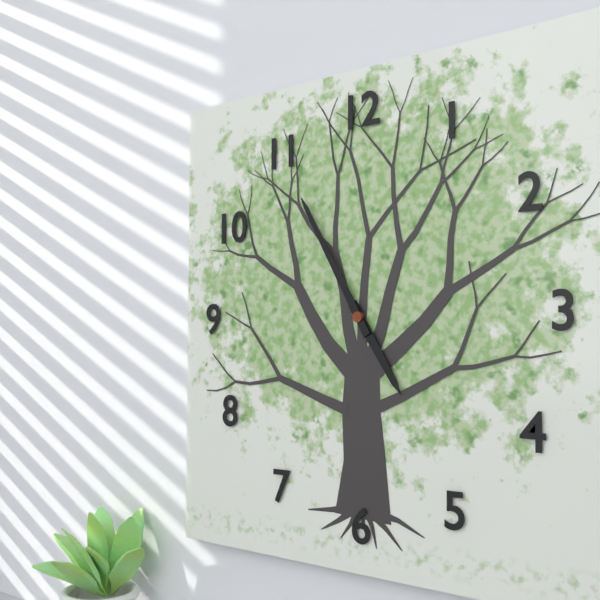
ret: {"hour": 4, "minute": 55}
